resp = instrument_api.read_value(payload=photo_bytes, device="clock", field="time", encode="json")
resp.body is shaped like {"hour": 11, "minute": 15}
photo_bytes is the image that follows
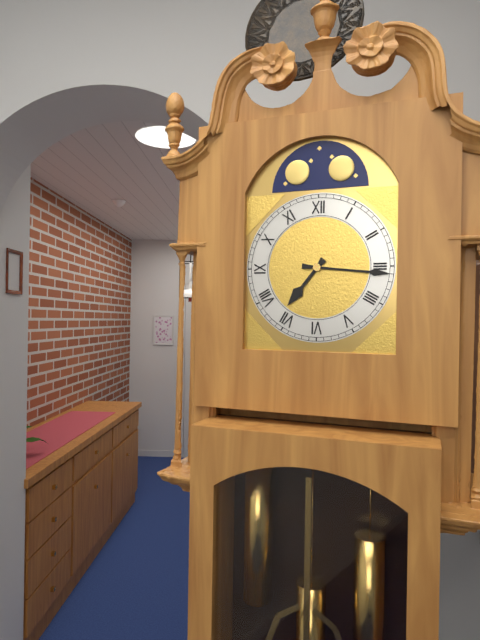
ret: {"hour": 7, "minute": 16}
